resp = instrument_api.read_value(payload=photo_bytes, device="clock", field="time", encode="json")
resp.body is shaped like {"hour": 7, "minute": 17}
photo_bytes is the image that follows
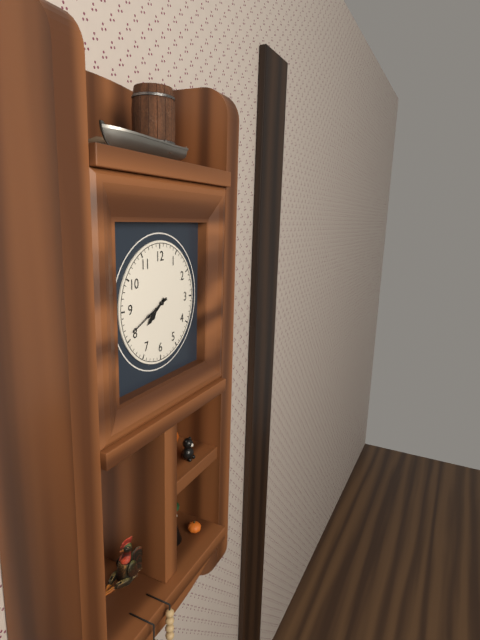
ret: {"hour": 7, "minute": 41}
